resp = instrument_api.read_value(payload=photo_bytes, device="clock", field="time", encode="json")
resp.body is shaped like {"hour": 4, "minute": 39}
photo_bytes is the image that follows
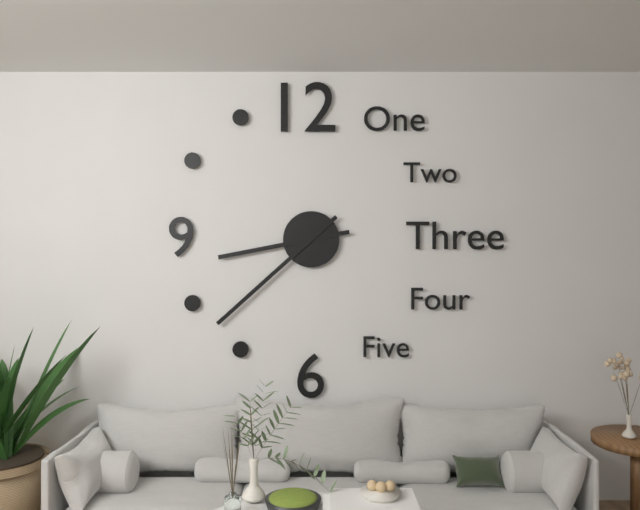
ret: {"hour": 8, "minute": 38}
